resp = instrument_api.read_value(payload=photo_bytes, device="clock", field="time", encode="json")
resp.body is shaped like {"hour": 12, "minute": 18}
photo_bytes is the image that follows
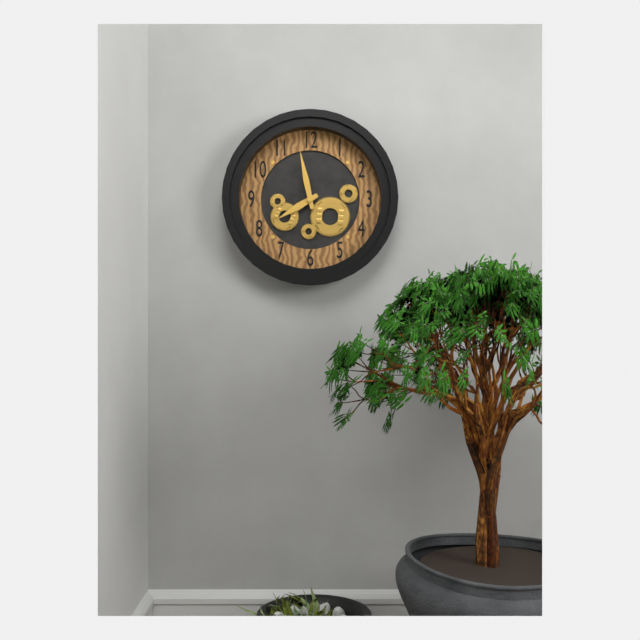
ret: {"hour": 7, "minute": 58}
